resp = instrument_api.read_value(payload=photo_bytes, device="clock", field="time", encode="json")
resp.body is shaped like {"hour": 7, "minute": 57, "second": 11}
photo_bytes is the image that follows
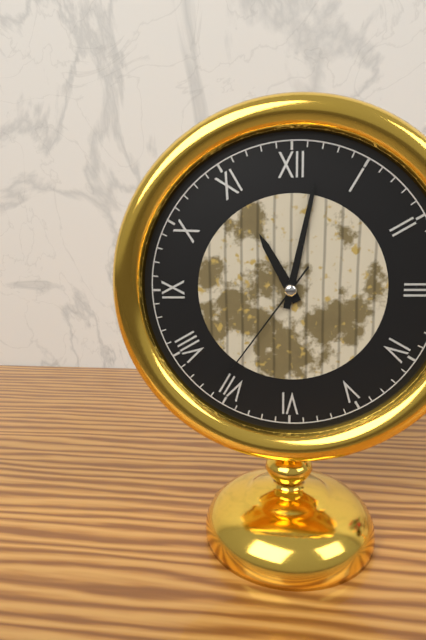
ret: {"hour": 11, "minute": 2, "second": 36}
